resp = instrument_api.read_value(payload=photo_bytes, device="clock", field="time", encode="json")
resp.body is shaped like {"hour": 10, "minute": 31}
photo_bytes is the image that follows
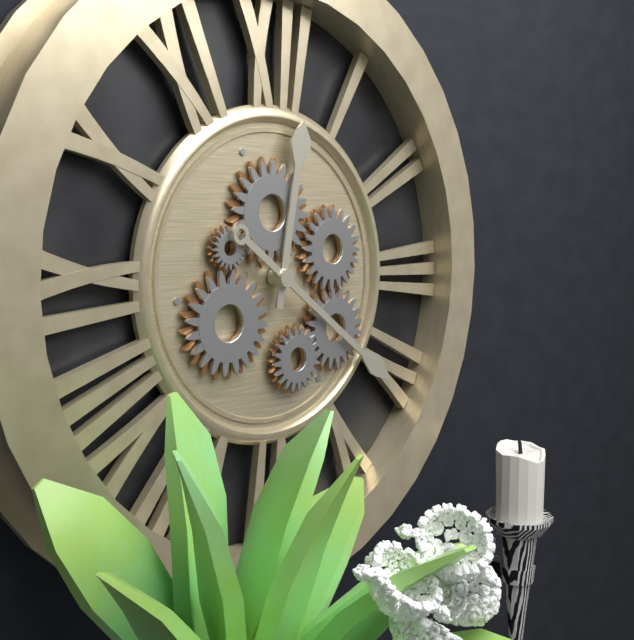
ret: {"hour": 12, "minute": 21}
